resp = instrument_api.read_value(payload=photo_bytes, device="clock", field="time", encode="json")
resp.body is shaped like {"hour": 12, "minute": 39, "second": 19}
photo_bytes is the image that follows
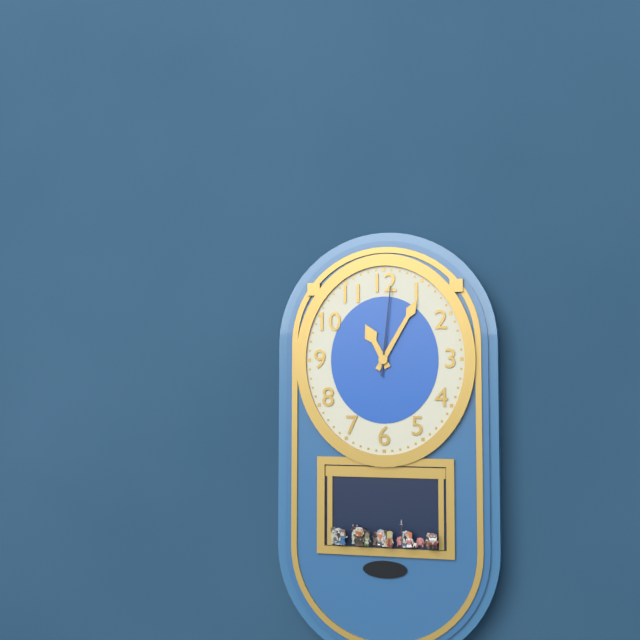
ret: {"hour": 11, "minute": 5, "second": 1}
